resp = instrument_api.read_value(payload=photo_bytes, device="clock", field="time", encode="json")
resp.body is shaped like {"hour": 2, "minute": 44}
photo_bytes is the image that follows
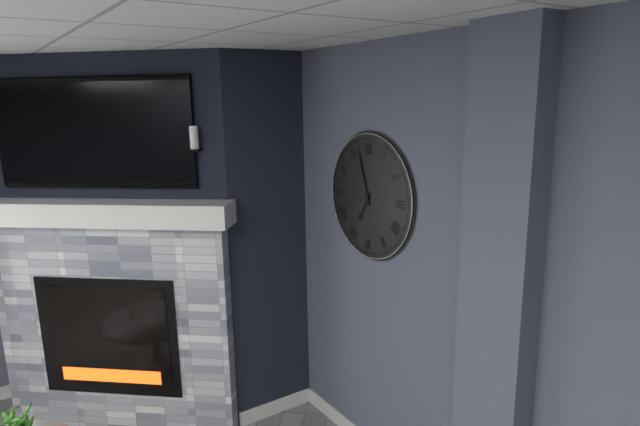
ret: {"hour": 6, "minute": 57}
